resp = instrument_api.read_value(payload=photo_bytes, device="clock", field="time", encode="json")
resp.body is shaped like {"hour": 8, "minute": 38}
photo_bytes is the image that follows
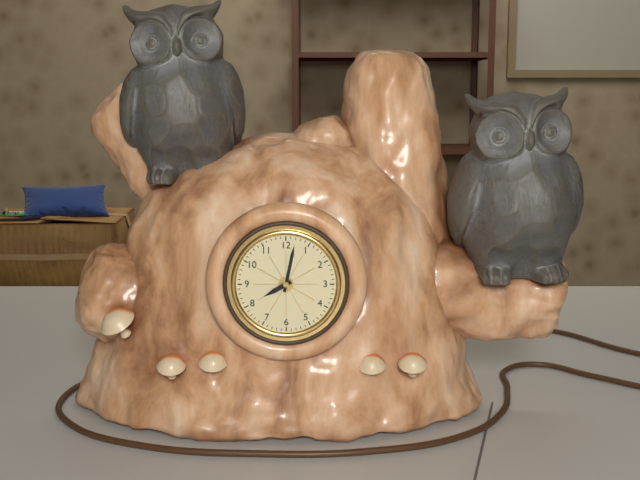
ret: {"hour": 8, "minute": 2}
